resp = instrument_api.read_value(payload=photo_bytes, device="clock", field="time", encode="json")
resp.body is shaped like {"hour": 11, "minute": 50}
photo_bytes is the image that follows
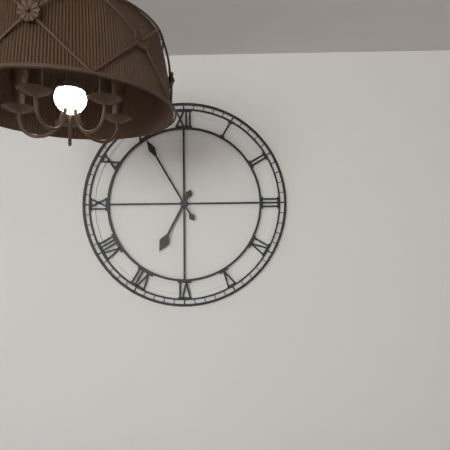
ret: {"hour": 6, "minute": 55}
